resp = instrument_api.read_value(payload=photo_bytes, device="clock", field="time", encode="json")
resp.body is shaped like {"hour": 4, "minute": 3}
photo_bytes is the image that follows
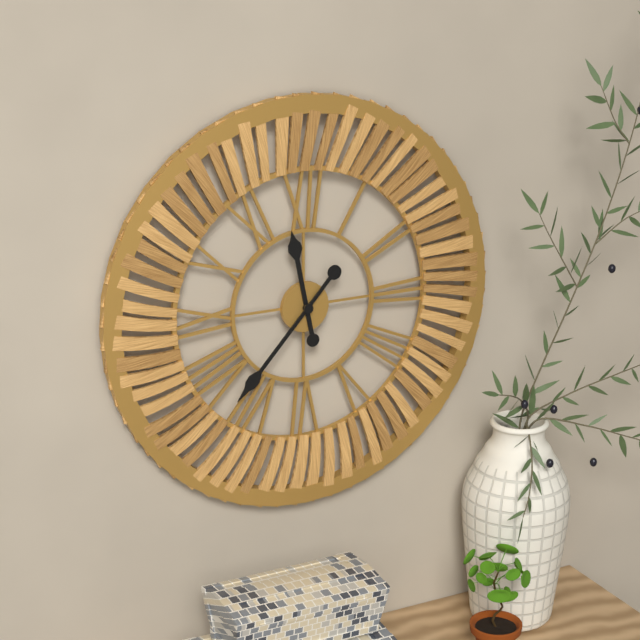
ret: {"hour": 11, "minute": 37}
